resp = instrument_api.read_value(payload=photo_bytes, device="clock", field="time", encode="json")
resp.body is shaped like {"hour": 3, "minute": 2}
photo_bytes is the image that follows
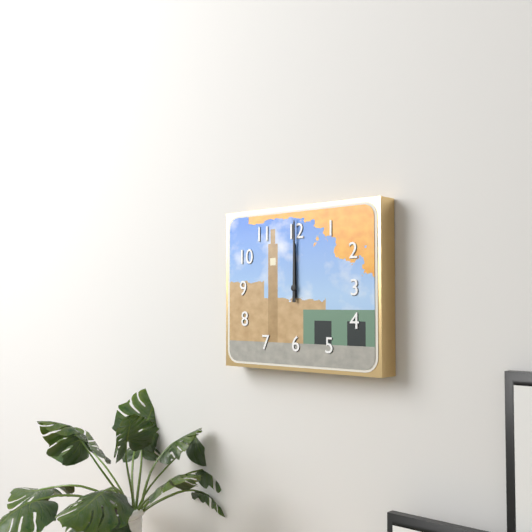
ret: {"hour": 12, "minute": 0}
